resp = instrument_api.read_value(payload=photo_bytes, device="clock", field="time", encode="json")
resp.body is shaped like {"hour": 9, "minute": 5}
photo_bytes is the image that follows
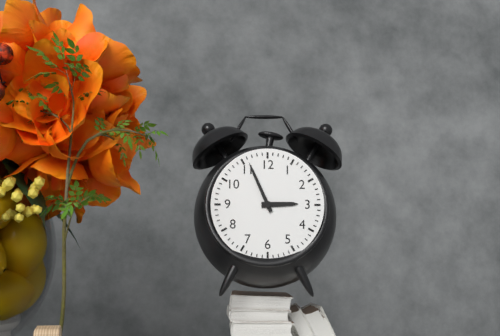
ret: {"hour": 2, "minute": 56}
